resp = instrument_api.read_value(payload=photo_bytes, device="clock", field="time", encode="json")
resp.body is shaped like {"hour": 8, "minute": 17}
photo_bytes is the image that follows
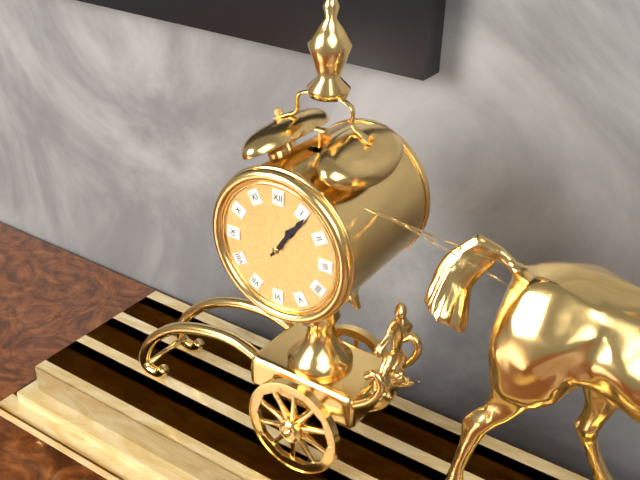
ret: {"hour": 1, "minute": 6}
